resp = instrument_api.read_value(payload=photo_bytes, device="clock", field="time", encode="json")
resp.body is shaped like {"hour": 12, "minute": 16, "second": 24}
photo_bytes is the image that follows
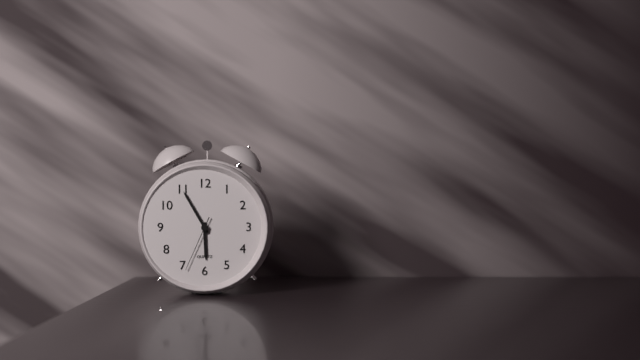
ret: {"hour": 5, "minute": 55, "second": 34}
